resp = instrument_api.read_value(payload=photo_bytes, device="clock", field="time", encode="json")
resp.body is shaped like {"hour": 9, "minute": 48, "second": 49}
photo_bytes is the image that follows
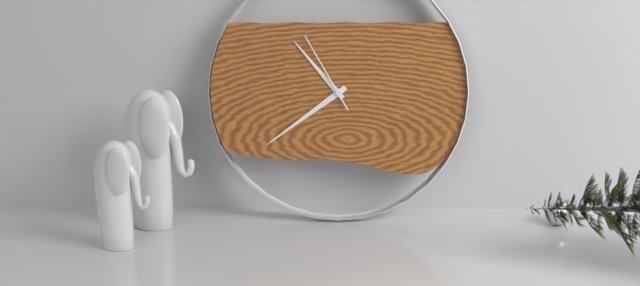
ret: {"hour": 10, "minute": 39, "second": 55}
